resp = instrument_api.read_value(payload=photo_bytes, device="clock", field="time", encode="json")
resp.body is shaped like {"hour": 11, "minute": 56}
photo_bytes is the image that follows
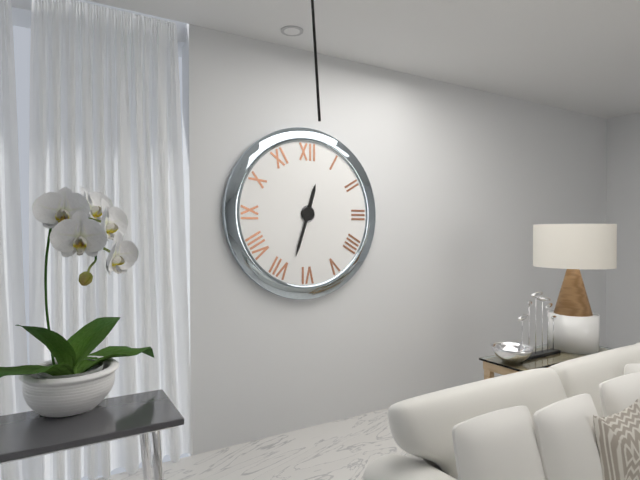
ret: {"hour": 12, "minute": 33}
